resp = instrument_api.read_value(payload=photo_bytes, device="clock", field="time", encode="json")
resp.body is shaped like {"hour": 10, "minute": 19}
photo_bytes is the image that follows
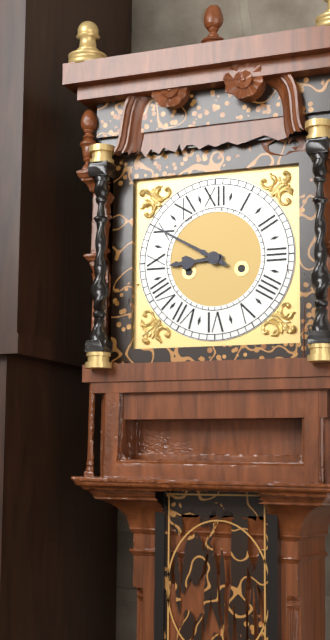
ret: {"hour": 8, "minute": 50}
